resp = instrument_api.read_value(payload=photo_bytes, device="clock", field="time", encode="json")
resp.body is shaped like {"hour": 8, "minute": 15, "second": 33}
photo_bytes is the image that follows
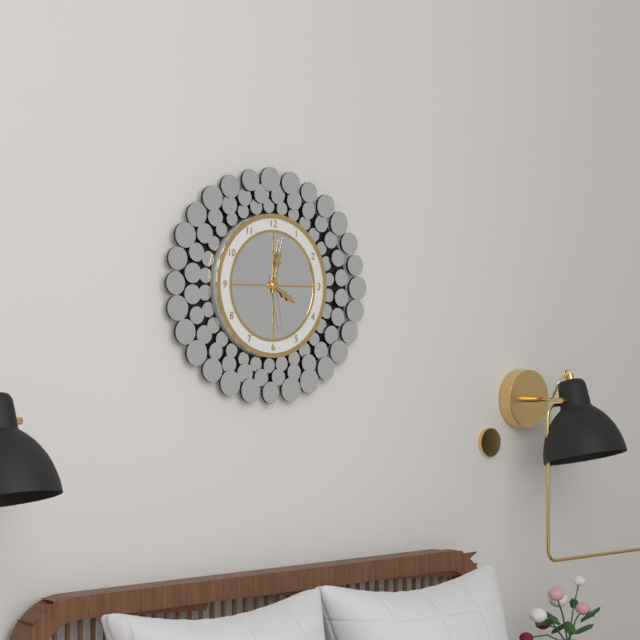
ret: {"hour": 4, "minute": 2, "second": 28}
